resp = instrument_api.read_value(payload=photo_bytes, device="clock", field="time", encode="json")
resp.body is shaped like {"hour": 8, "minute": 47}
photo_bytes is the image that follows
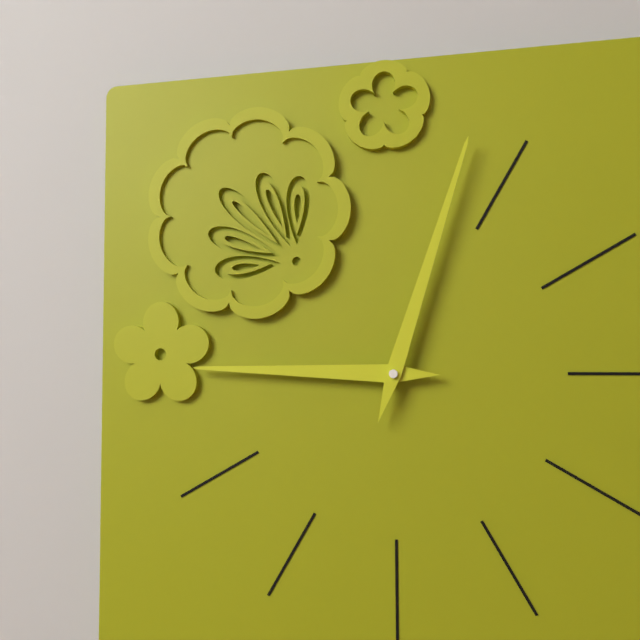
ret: {"hour": 9, "minute": 3}
